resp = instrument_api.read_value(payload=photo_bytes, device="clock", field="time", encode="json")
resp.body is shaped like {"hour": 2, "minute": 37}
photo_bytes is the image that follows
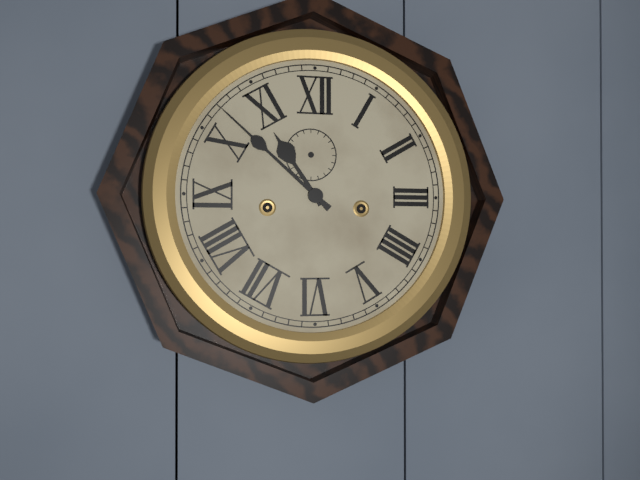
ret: {"hour": 10, "minute": 52}
